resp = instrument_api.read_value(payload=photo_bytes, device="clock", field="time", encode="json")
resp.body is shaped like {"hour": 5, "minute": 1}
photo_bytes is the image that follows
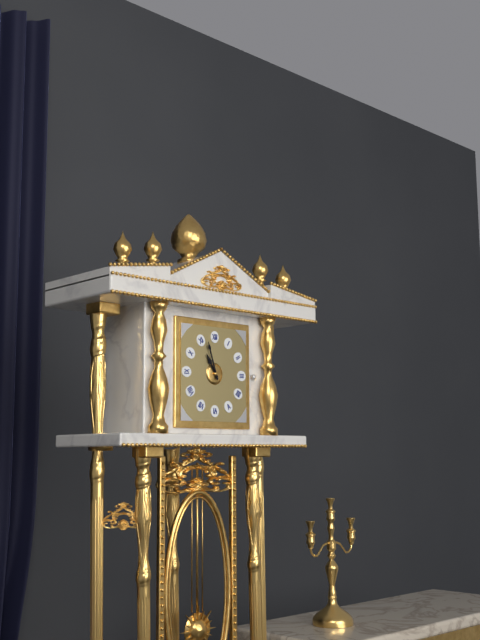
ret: {"hour": 10, "minute": 57}
